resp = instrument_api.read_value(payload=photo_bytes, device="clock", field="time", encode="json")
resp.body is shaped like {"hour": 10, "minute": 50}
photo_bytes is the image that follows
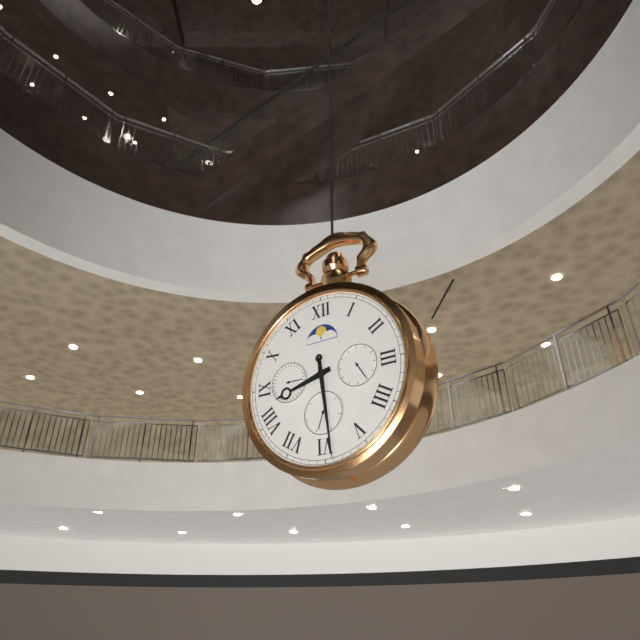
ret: {"hour": 8, "minute": 29}
